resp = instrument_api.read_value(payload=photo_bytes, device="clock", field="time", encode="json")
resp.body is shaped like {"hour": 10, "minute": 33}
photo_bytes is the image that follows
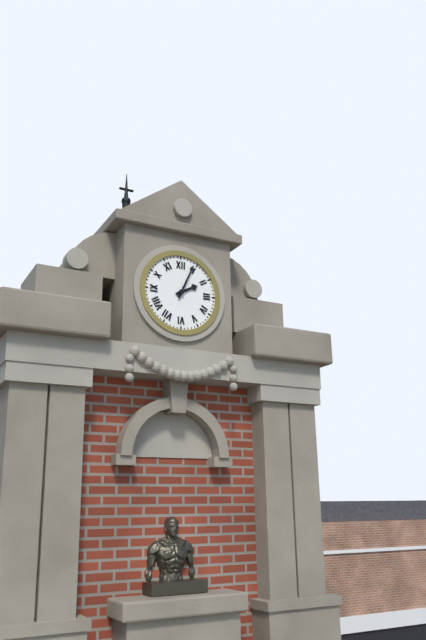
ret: {"hour": 2, "minute": 4}
